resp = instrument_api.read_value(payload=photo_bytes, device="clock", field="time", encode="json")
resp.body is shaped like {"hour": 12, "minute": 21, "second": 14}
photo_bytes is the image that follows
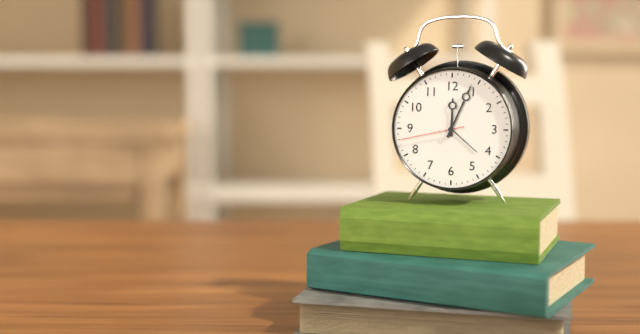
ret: {"hour": 12, "minute": 4, "second": 43}
